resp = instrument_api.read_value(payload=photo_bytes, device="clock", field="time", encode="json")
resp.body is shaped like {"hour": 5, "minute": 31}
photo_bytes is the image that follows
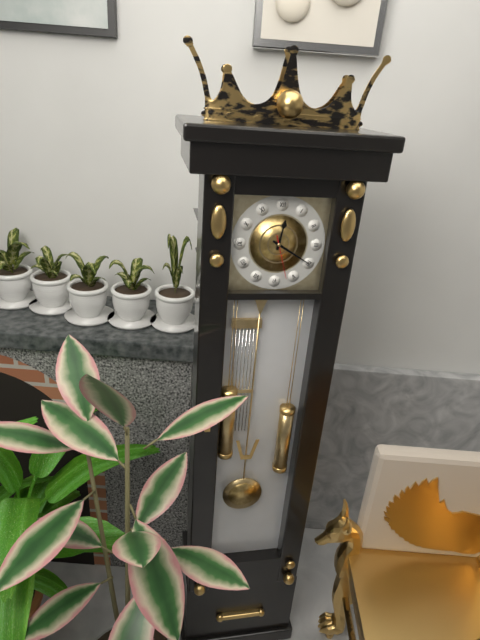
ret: {"hour": 12, "minute": 20}
